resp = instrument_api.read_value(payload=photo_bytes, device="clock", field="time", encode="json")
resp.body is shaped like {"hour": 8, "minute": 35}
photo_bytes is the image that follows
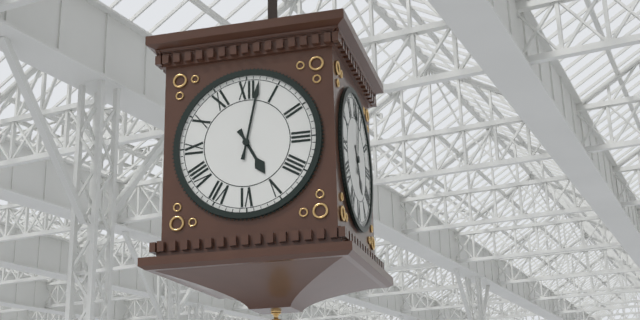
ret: {"hour": 5, "minute": 2}
